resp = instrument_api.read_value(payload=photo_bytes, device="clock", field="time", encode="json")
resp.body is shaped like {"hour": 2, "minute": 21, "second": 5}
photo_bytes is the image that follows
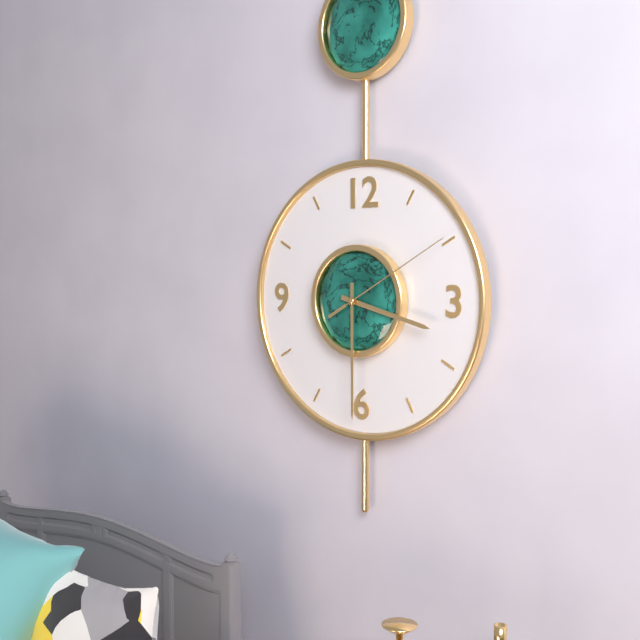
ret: {"hour": 3, "minute": 30, "second": 10}
